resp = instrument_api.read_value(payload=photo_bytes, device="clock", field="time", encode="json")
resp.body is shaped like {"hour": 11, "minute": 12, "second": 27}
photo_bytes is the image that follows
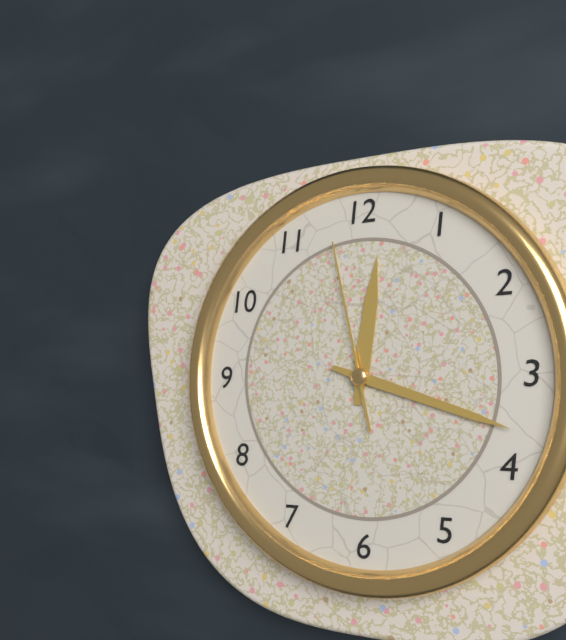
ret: {"hour": 12, "minute": 18, "second": 58}
